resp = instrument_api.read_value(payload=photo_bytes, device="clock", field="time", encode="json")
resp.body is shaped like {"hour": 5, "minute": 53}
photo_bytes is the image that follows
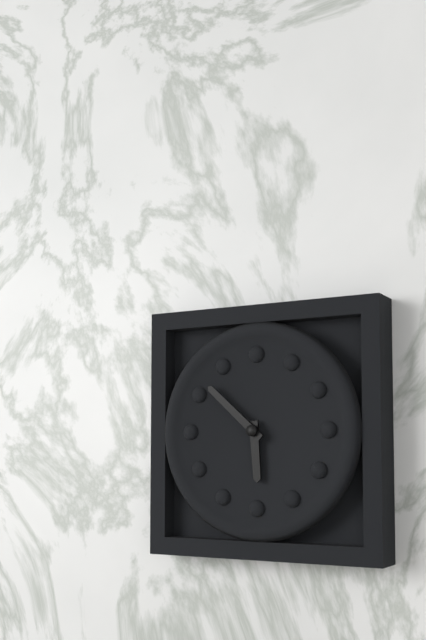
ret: {"hour": 5, "minute": 52}
